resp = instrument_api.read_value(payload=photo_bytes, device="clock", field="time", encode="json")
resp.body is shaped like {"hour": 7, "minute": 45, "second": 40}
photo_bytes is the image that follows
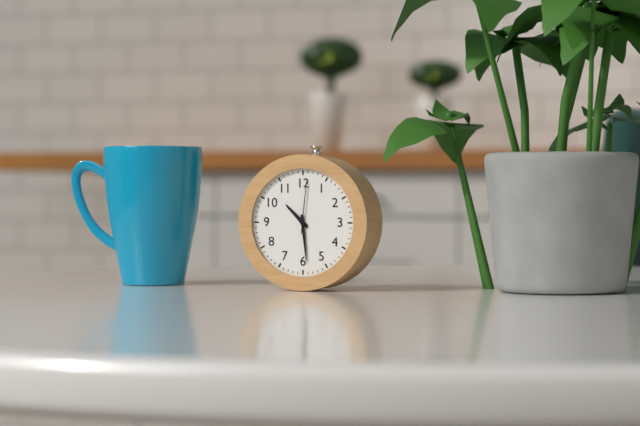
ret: {"hour": 10, "minute": 29, "second": 1}
